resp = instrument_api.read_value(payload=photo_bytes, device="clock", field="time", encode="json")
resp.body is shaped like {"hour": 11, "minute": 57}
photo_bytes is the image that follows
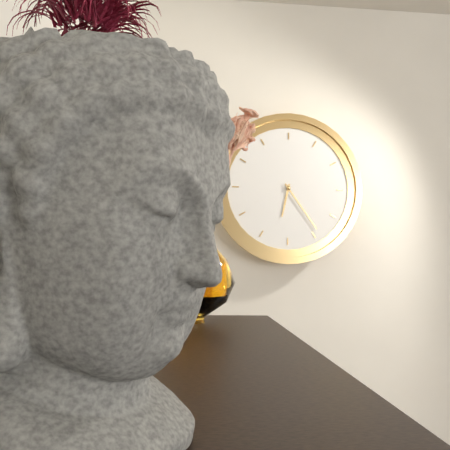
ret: {"hour": 6, "minute": 24}
